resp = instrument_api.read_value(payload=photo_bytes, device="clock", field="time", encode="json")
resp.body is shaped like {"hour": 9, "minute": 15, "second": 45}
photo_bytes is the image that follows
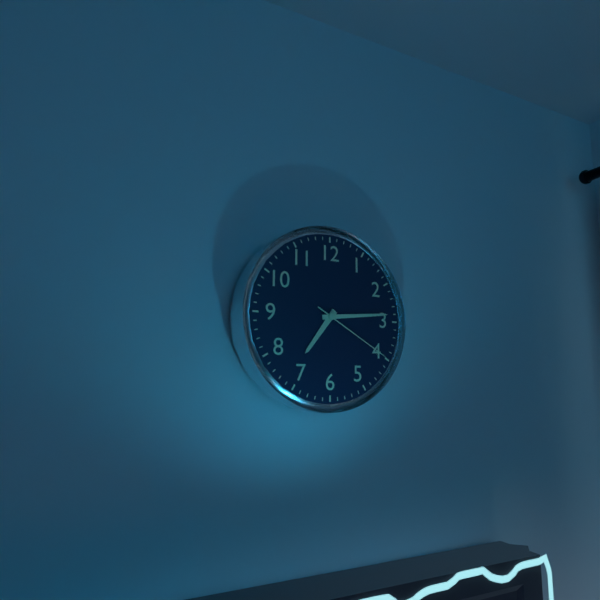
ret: {"hour": 7, "minute": 14, "second": 20}
